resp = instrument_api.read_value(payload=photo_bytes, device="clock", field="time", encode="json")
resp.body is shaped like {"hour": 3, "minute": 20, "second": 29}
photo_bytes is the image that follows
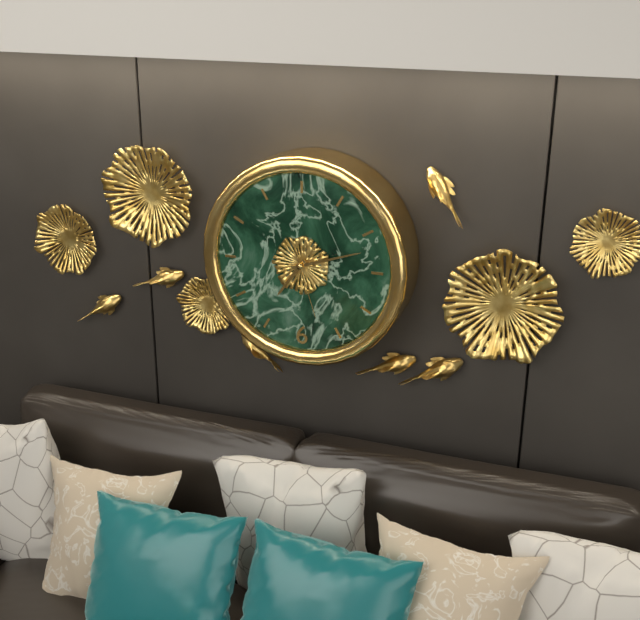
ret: {"hour": 7, "minute": 12, "second": 27}
